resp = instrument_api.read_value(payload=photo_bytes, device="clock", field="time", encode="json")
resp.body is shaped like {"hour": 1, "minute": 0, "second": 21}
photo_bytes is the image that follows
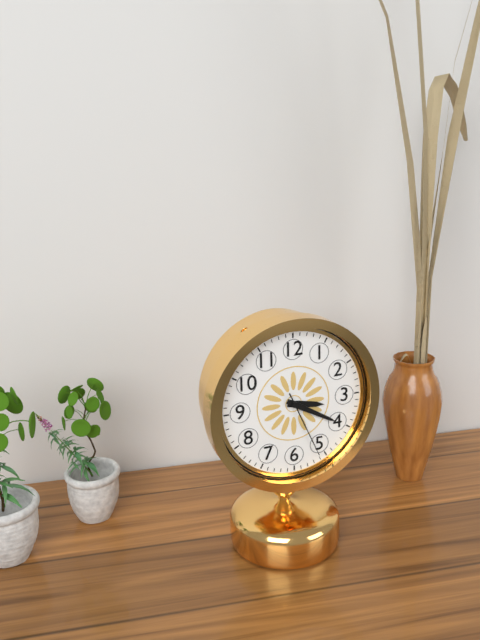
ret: {"hour": 3, "minute": 20, "second": 26}
